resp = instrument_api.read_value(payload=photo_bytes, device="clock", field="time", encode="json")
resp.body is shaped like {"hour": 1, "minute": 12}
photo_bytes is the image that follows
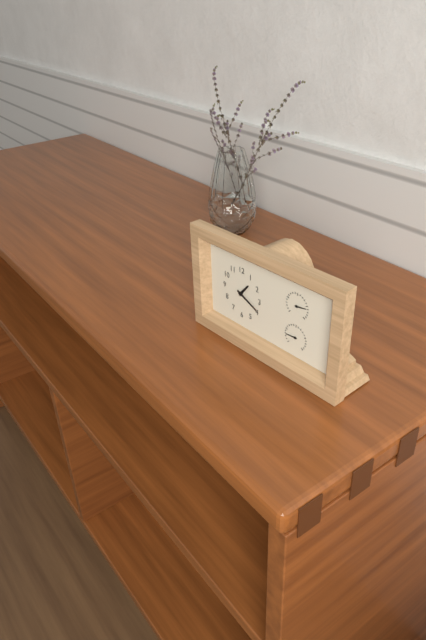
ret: {"hour": 1, "minute": 19}
